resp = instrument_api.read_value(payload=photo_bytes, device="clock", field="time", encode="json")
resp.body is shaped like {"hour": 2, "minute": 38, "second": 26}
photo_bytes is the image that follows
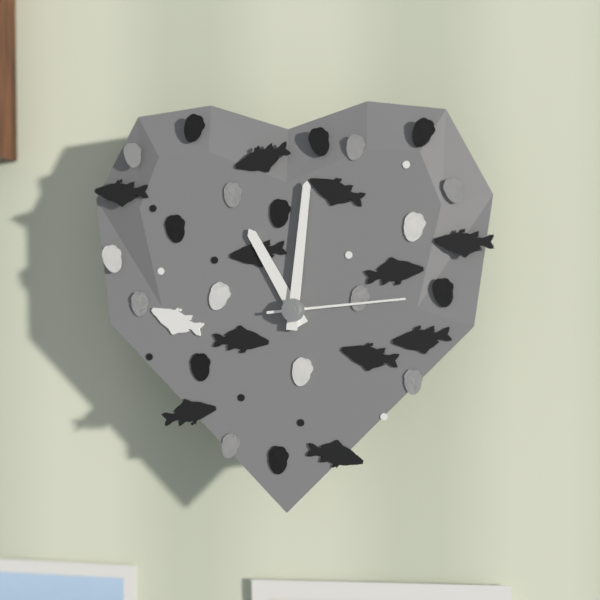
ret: {"hour": 11, "minute": 1, "second": 14}
